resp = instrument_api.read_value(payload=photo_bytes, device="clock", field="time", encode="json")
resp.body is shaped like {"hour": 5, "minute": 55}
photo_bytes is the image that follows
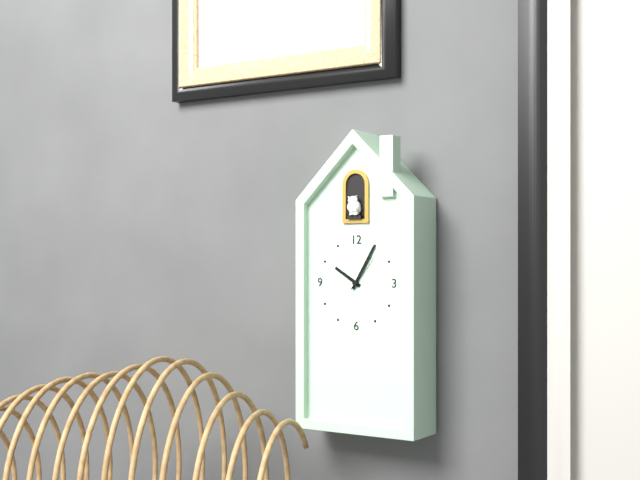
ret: {"hour": 10, "minute": 5}
